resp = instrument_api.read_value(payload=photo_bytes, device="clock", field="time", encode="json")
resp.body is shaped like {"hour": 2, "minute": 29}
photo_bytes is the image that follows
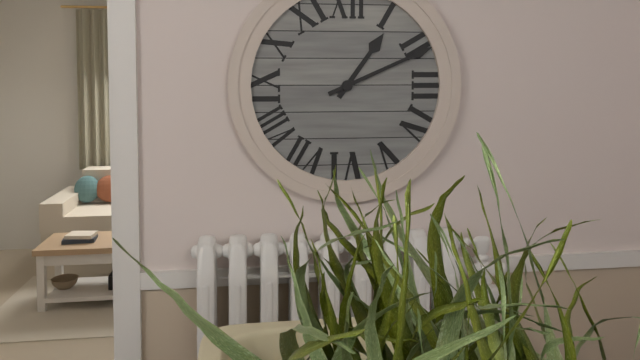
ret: {"hour": 1, "minute": 11}
